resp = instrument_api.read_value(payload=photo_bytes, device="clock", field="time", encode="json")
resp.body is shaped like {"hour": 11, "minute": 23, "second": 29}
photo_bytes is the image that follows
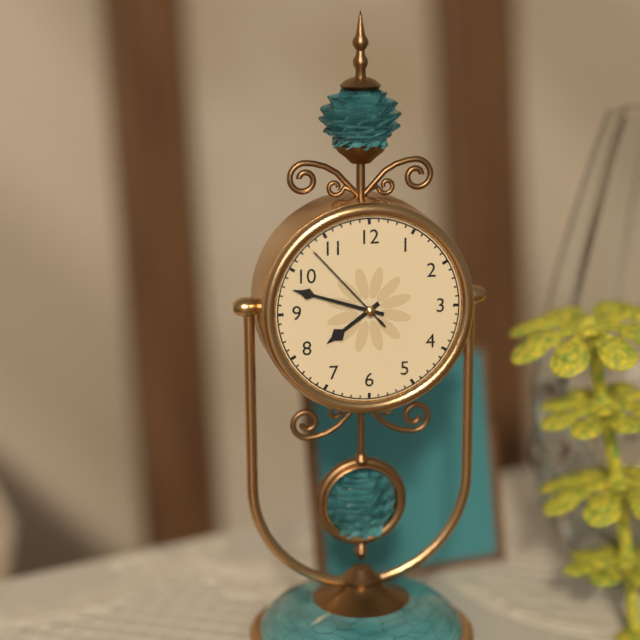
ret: {"hour": 7, "minute": 48, "second": 53}
